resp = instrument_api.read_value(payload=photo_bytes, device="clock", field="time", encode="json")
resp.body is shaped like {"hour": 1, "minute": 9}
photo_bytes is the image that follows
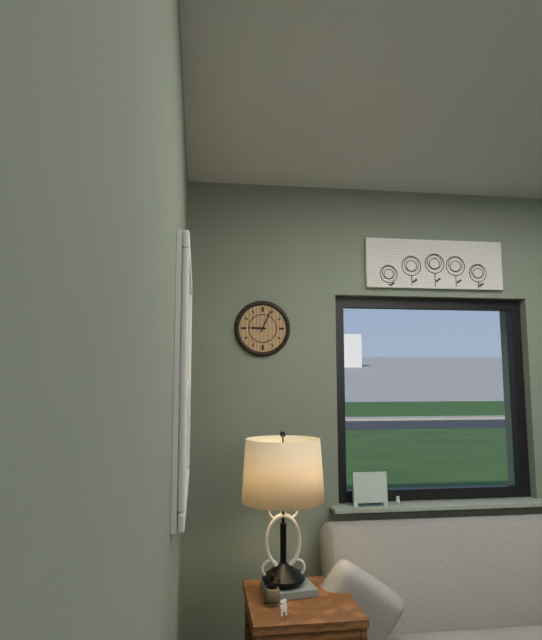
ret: {"hour": 9, "minute": 4}
